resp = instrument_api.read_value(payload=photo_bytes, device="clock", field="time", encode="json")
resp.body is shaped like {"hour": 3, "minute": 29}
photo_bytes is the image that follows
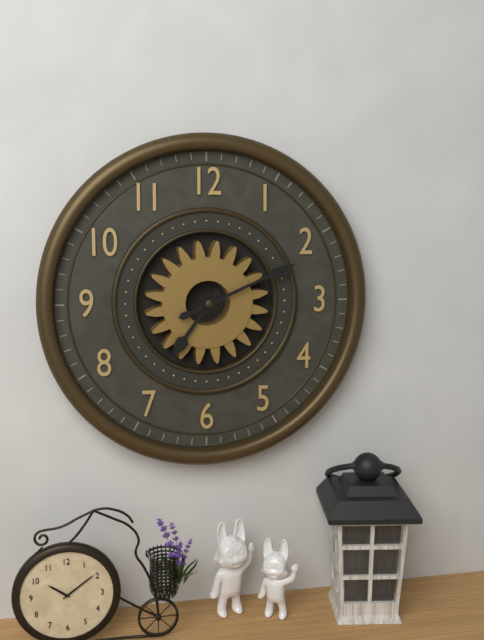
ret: {"hour": 7, "minute": 11}
